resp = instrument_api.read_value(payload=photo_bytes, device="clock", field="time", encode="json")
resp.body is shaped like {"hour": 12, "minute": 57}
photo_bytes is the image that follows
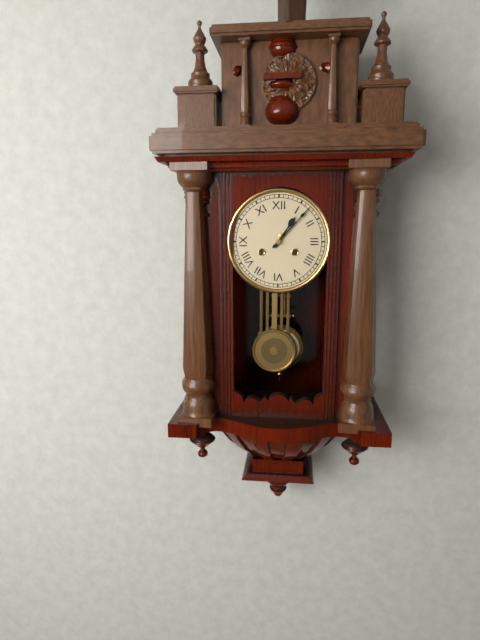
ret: {"hour": 1, "minute": 7}
